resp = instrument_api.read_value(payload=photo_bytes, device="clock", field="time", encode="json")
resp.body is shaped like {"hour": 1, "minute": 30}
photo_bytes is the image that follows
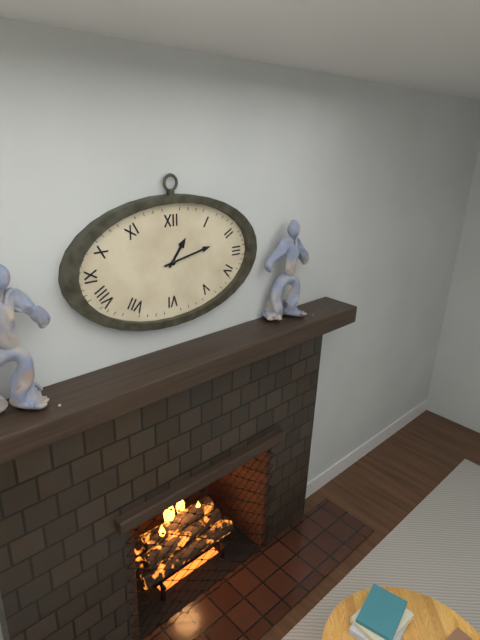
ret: {"hour": 1, "minute": 13}
